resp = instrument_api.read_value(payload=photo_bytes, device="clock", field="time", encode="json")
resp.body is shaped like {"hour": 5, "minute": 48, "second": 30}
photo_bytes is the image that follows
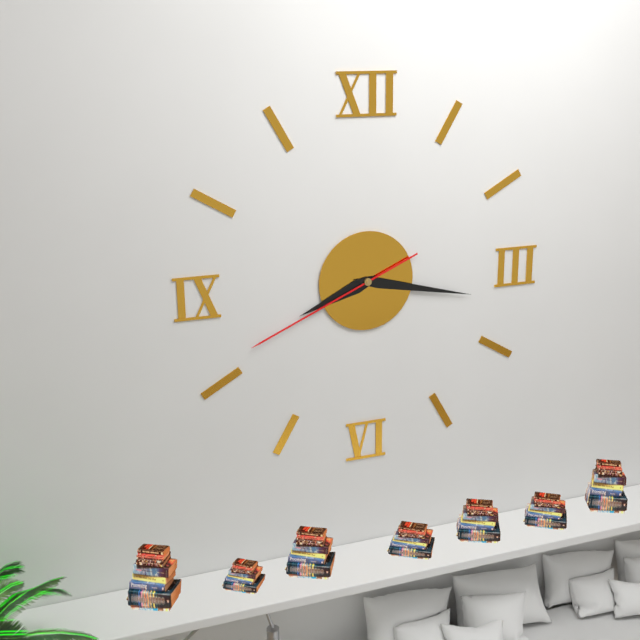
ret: {"hour": 8, "minute": 17, "second": 41}
